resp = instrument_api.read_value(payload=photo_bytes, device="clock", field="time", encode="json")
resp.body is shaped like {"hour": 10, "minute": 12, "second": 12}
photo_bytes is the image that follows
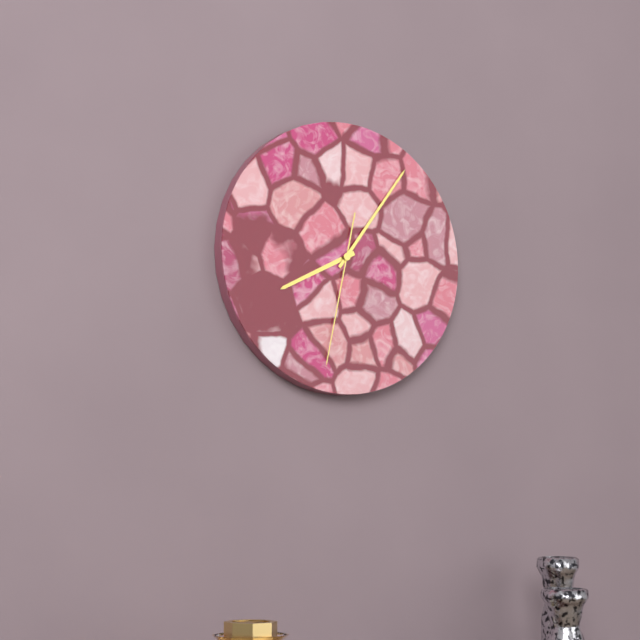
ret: {"hour": 8, "minute": 6, "second": 32}
